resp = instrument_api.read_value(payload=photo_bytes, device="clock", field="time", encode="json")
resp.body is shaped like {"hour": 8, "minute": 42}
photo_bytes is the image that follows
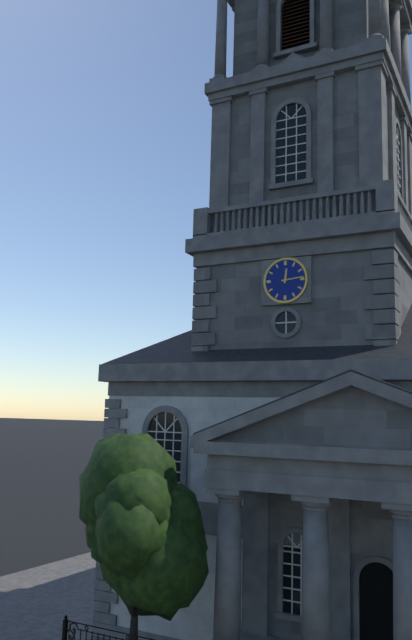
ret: {"hour": 12, "minute": 14}
